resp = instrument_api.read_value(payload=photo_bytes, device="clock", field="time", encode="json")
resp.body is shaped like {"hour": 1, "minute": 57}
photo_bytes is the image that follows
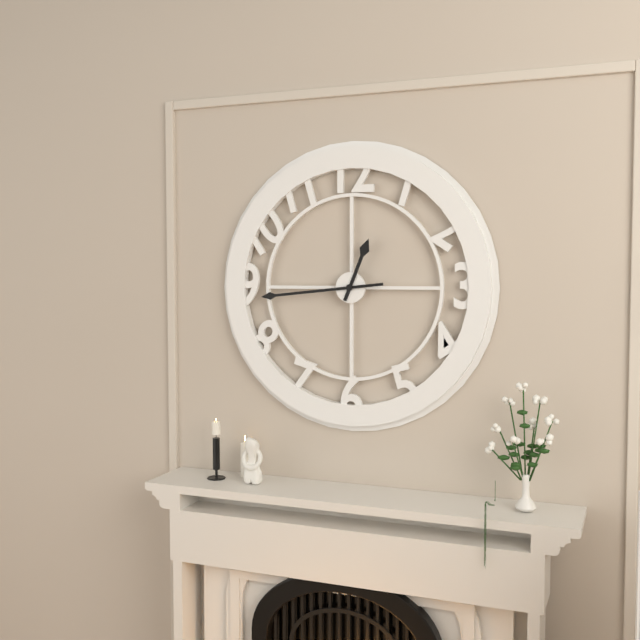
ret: {"hour": 12, "minute": 44}
